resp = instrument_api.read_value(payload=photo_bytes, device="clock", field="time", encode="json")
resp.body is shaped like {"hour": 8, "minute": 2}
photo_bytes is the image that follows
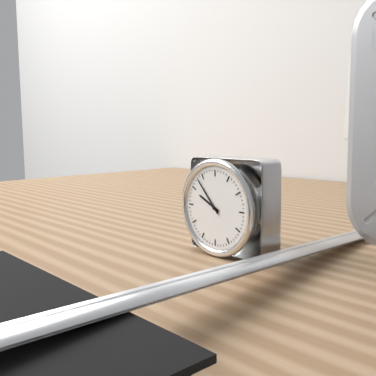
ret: {"hour": 9, "minute": 53}
